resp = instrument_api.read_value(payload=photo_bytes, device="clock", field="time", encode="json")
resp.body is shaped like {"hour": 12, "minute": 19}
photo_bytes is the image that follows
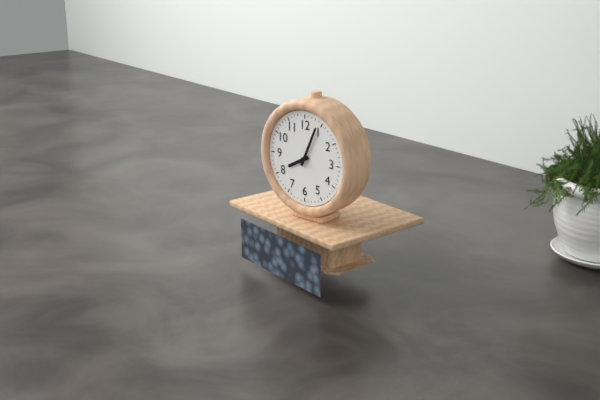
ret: {"hour": 8, "minute": 4}
